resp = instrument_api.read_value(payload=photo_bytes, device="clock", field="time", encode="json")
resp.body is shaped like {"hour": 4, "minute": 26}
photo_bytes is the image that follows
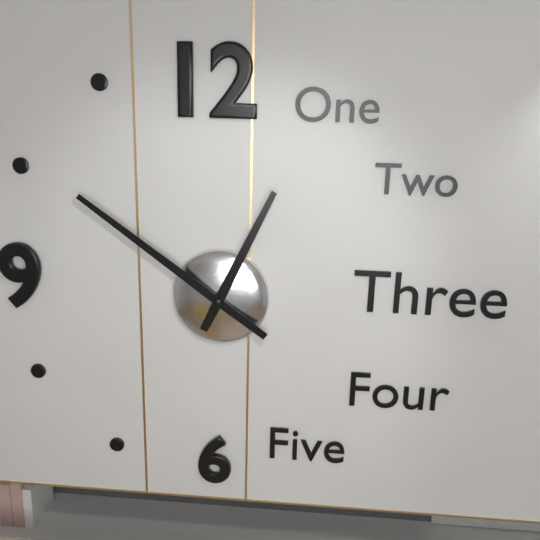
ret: {"hour": 12, "minute": 51}
